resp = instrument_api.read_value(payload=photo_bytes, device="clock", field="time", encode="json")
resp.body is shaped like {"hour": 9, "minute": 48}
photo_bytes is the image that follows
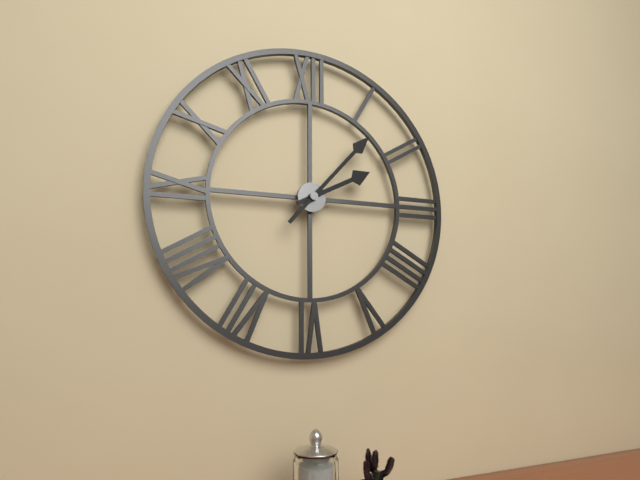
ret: {"hour": 2, "minute": 7}
